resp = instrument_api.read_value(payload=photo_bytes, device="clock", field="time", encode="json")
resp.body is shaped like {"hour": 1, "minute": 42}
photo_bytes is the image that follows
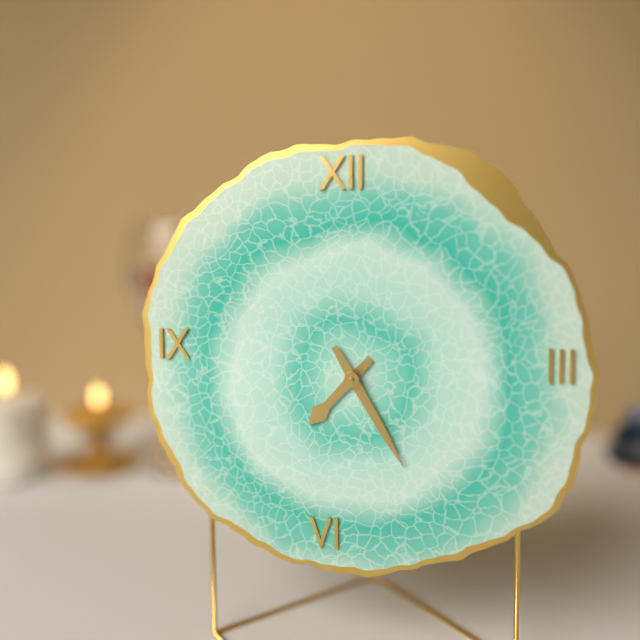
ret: {"hour": 7, "minute": 25}
